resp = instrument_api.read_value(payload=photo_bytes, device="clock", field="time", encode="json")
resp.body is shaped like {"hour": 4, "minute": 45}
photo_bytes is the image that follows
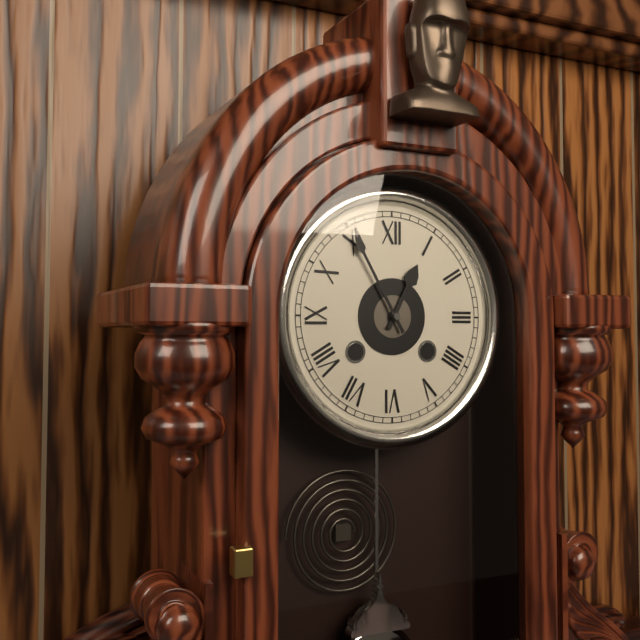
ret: {"hour": 12, "minute": 55}
